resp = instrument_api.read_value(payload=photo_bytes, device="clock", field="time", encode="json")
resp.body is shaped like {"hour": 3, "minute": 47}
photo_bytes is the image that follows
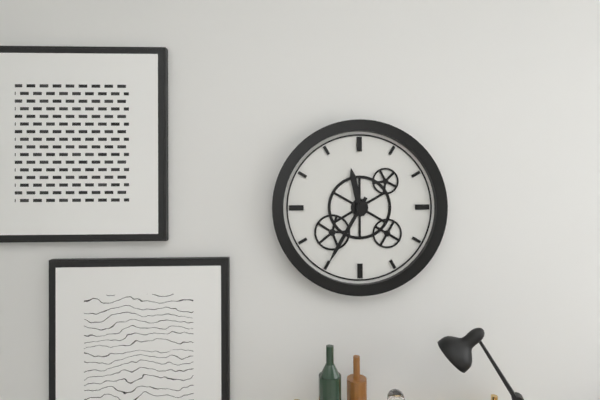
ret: {"hour": 11, "minute": 35}
